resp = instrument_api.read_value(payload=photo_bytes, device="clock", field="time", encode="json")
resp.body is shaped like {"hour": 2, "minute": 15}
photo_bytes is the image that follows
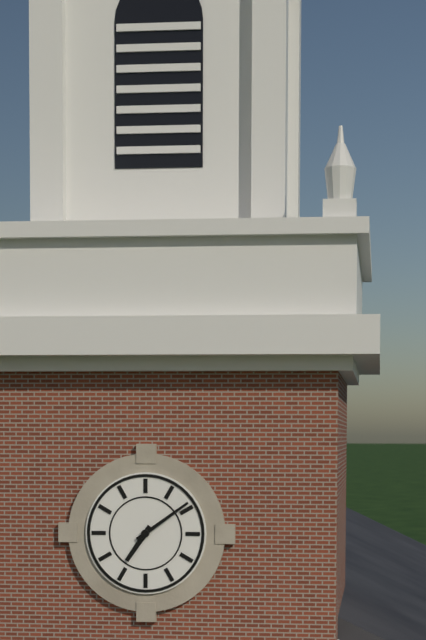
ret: {"hour": 7, "minute": 9}
